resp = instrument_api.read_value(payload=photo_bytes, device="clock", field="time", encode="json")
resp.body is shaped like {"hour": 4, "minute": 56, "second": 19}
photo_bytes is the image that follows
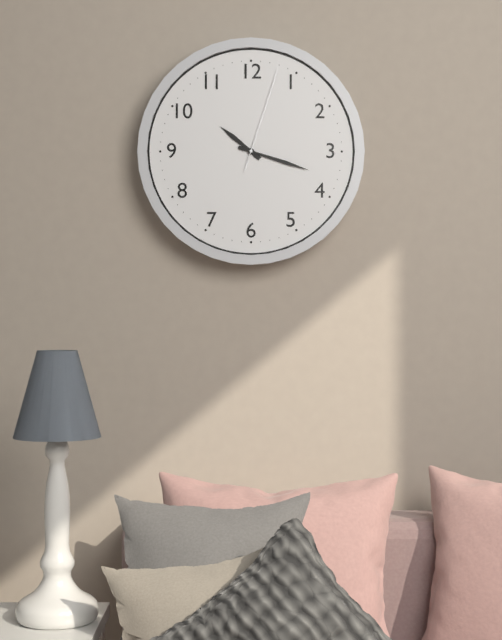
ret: {"hour": 10, "minute": 18, "second": 3}
